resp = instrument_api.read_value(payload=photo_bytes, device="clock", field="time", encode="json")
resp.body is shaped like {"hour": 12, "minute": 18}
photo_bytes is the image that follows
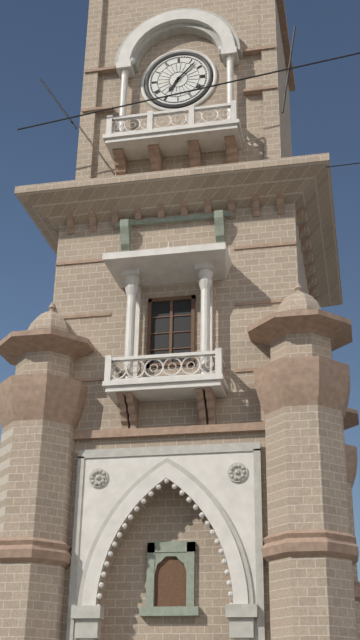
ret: {"hour": 7, "minute": 7}
